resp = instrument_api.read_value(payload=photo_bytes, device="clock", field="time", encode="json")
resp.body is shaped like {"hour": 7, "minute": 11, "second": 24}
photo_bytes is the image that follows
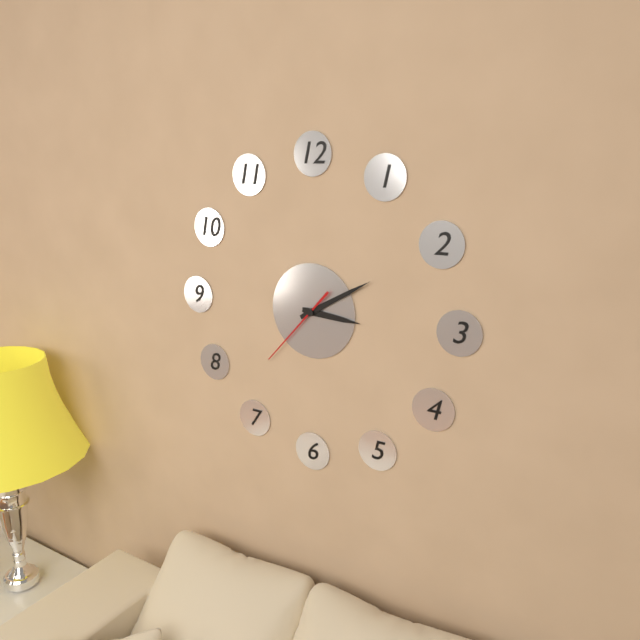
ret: {"hour": 3, "minute": 10, "second": 37}
